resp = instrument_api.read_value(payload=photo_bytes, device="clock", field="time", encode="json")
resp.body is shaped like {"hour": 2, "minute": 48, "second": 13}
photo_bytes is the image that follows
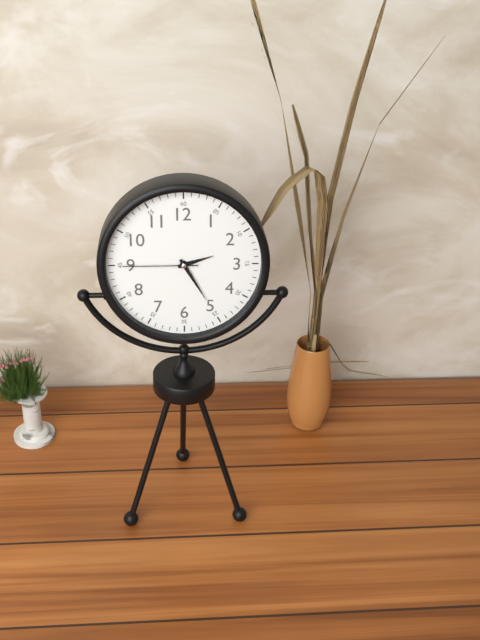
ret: {"hour": 2, "minute": 25, "second": 45}
